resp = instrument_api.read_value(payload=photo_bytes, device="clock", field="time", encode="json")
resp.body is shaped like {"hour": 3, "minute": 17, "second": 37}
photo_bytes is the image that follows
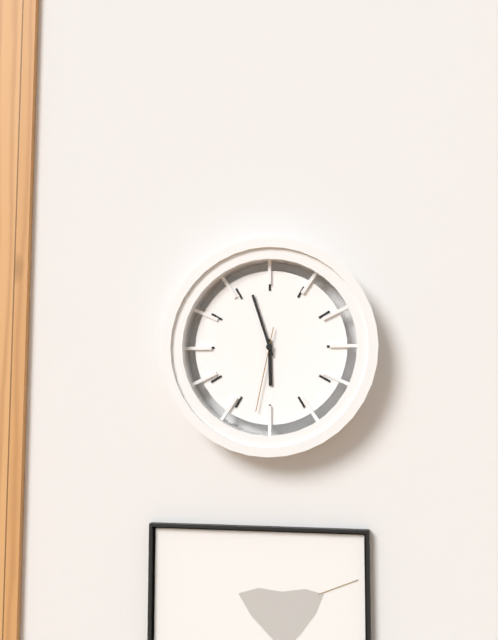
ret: {"hour": 5, "minute": 57, "second": 32}
